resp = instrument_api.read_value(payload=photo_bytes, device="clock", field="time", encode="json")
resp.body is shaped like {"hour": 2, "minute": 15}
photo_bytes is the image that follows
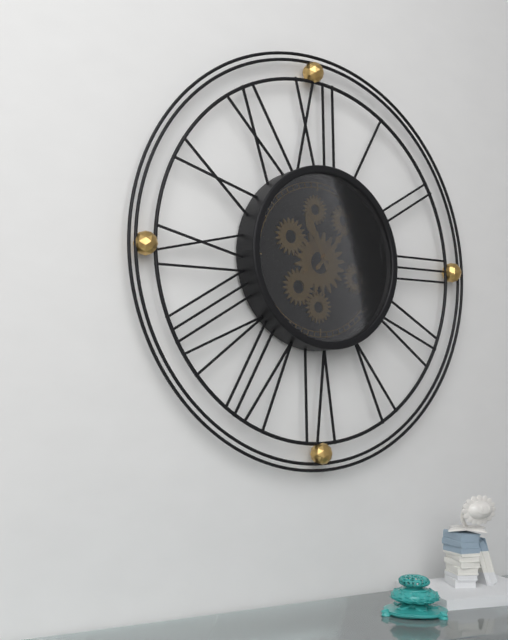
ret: {"hour": 11, "minute": 7}
